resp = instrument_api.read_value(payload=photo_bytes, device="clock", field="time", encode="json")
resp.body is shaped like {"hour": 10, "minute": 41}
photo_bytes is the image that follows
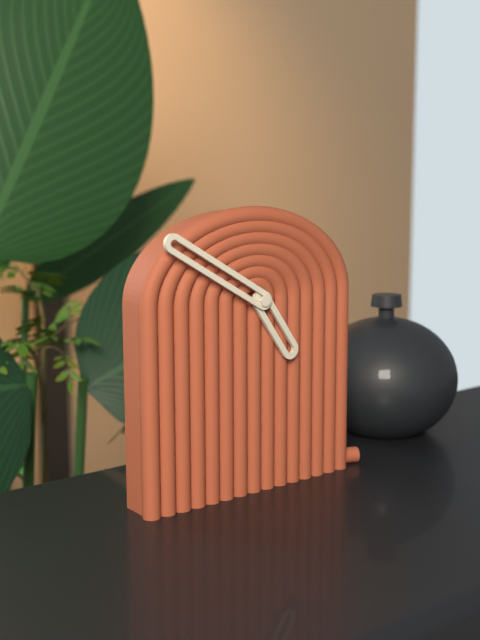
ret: {"hour": 4, "minute": 50}
